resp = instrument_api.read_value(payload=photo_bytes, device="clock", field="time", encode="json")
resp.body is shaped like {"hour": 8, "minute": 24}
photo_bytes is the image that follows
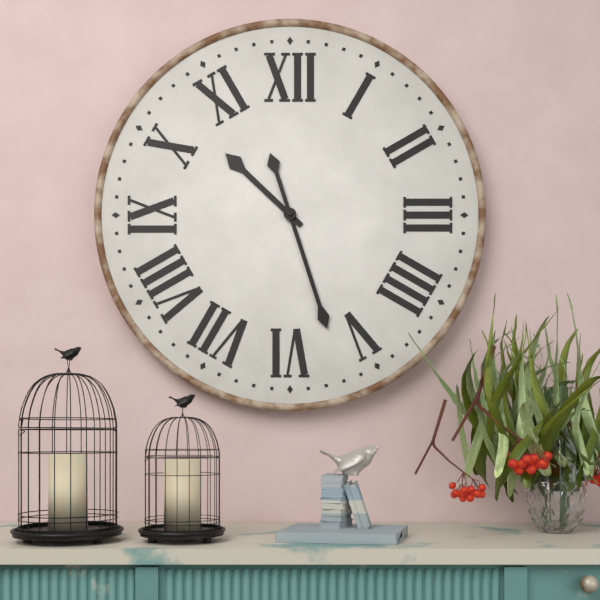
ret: {"hour": 10, "minute": 27}
